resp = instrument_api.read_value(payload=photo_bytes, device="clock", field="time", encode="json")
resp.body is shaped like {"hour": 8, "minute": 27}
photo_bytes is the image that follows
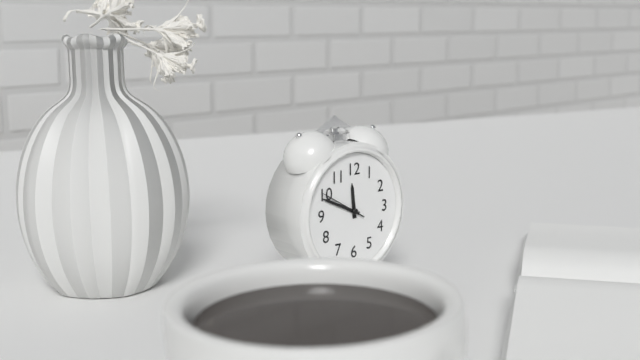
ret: {"hour": 11, "minute": 49}
